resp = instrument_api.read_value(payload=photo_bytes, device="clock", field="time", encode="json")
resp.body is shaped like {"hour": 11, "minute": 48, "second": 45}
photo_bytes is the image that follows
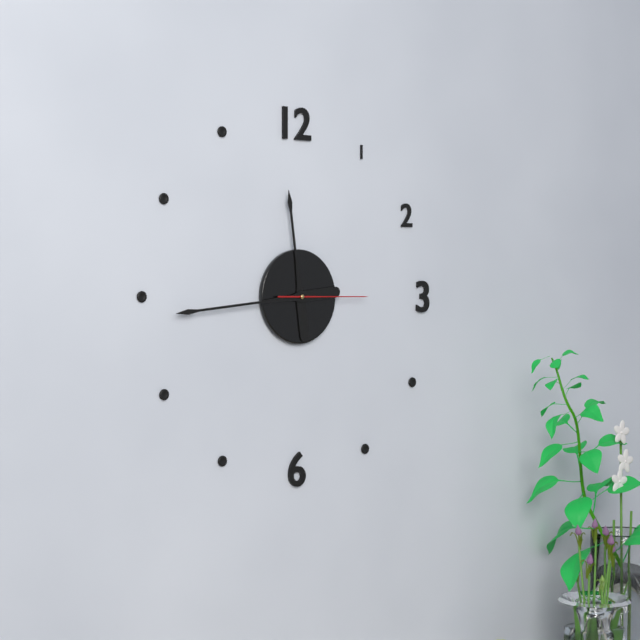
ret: {"hour": 11, "minute": 44, "second": 15}
